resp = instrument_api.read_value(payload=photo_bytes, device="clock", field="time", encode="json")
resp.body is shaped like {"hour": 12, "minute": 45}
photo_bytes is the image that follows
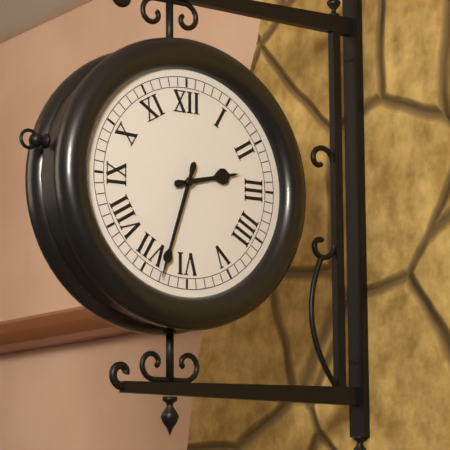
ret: {"hour": 2, "minute": 33}
